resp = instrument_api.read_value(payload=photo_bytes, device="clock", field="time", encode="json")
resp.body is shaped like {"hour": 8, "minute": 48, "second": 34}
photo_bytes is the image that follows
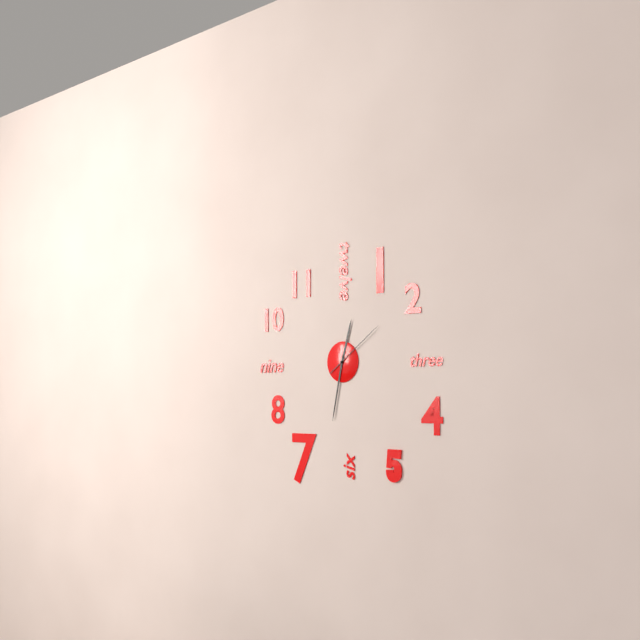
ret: {"hour": 12, "minute": 32, "second": 9}
